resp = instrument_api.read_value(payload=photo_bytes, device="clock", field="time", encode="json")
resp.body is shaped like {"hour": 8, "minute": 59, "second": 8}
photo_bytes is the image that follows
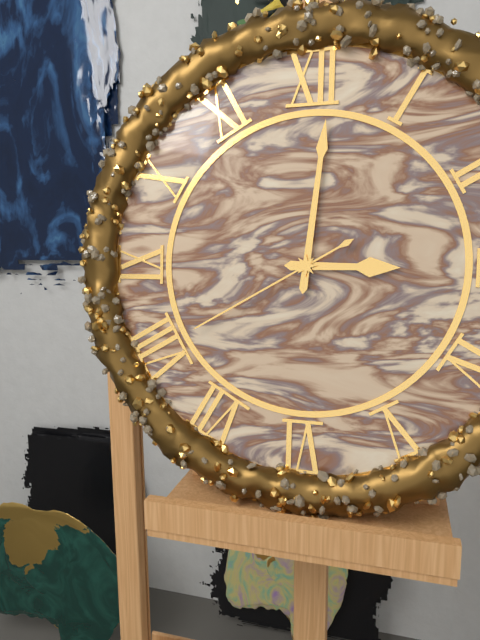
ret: {"hour": 3, "minute": 1, "second": 40}
